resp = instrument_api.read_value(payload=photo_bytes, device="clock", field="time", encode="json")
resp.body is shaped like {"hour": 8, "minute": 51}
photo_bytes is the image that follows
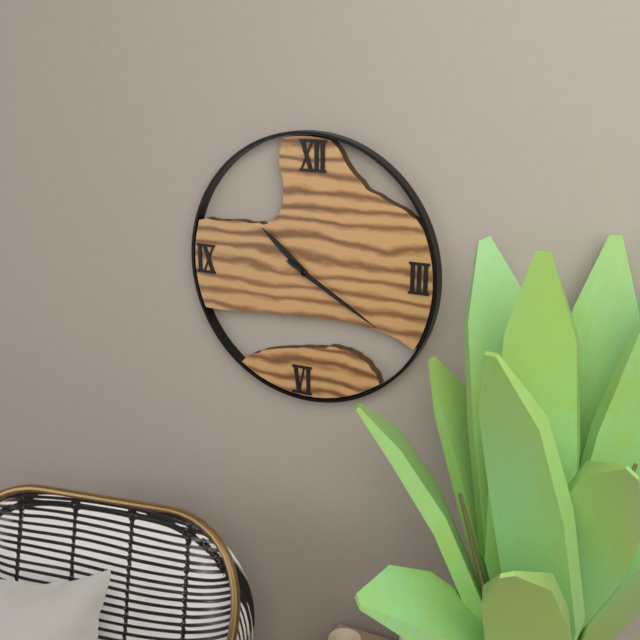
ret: {"hour": 10, "minute": 20}
